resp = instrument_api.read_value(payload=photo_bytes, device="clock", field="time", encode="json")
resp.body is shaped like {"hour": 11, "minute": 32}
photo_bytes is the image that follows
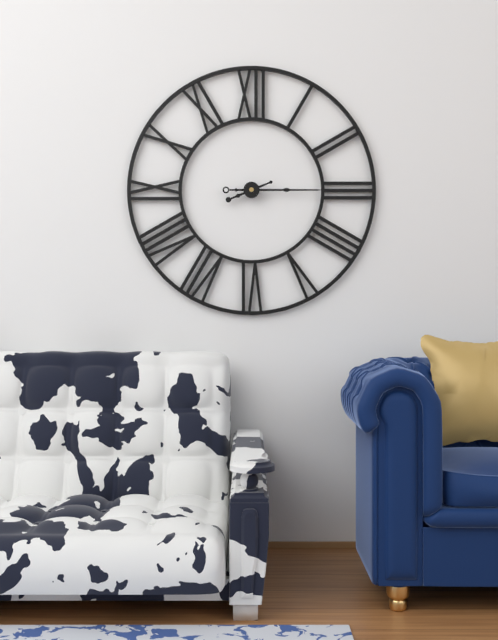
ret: {"hour": 8, "minute": 15}
